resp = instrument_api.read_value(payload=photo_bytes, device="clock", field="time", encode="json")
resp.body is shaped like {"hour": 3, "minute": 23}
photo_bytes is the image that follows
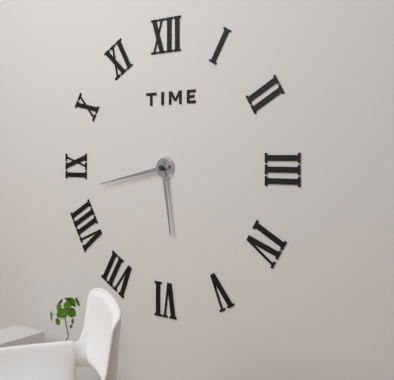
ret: {"hour": 5, "minute": 43}
